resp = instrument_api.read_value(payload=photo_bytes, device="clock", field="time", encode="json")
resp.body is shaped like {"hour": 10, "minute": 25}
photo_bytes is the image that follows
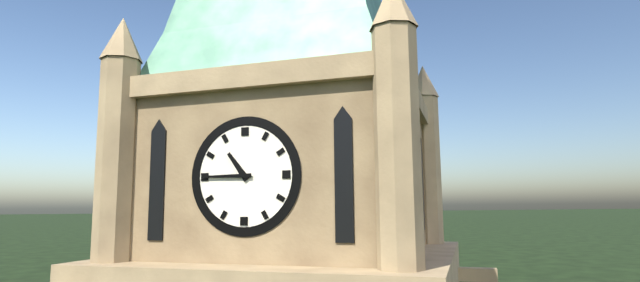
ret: {"hour": 10, "minute": 45}
